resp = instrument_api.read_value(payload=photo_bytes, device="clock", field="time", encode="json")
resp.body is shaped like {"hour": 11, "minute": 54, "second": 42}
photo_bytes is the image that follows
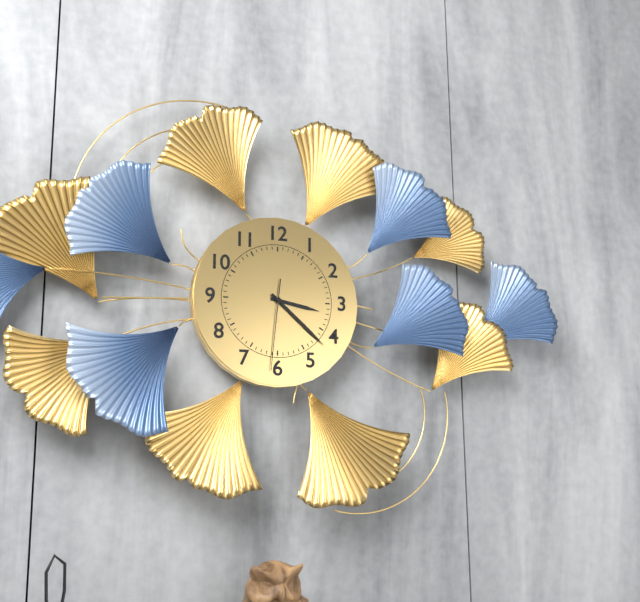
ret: {"hour": 3, "minute": 22, "second": 31}
